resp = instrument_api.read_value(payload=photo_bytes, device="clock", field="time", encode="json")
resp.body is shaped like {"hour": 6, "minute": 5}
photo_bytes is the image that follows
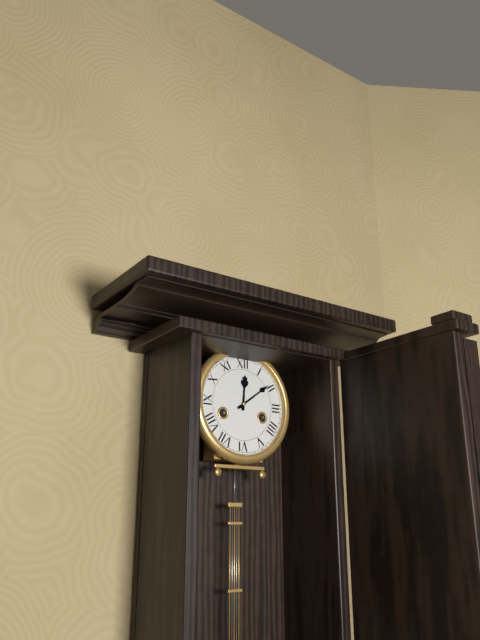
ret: {"hour": 12, "minute": 9}
